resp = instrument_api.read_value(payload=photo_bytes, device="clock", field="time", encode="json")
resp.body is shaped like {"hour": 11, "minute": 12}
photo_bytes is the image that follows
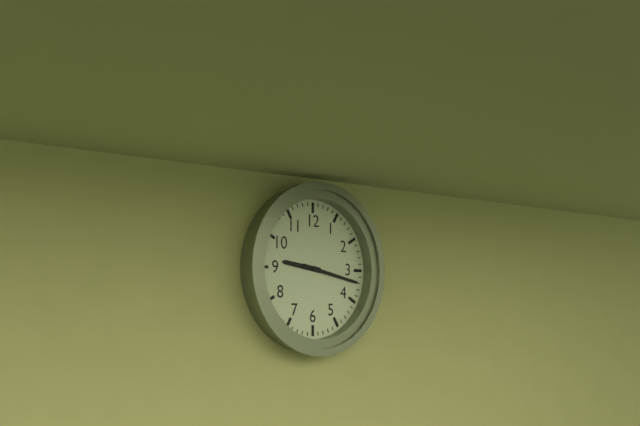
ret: {"hour": 9, "minute": 17}
